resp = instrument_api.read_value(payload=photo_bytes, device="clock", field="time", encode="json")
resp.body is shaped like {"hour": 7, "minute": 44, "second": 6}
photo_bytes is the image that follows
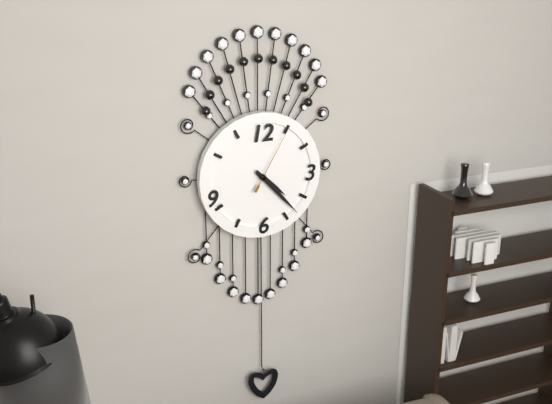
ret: {"hour": 4, "minute": 23, "second": 5}
